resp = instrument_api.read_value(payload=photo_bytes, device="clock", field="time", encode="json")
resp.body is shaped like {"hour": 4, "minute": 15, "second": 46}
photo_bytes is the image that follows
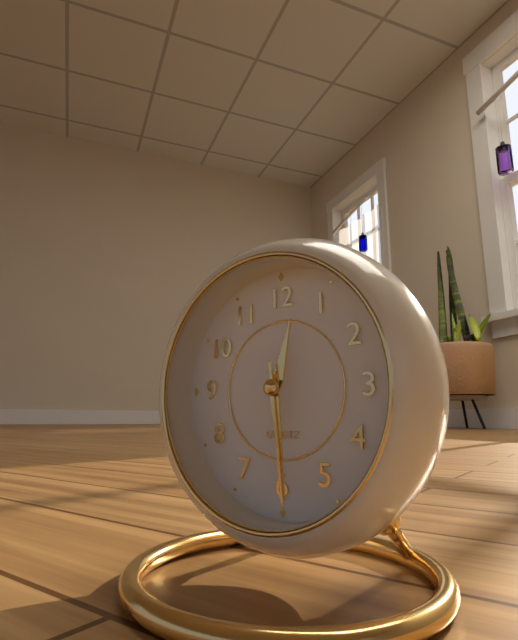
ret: {"hour": 12, "minute": 29, "second": 29}
